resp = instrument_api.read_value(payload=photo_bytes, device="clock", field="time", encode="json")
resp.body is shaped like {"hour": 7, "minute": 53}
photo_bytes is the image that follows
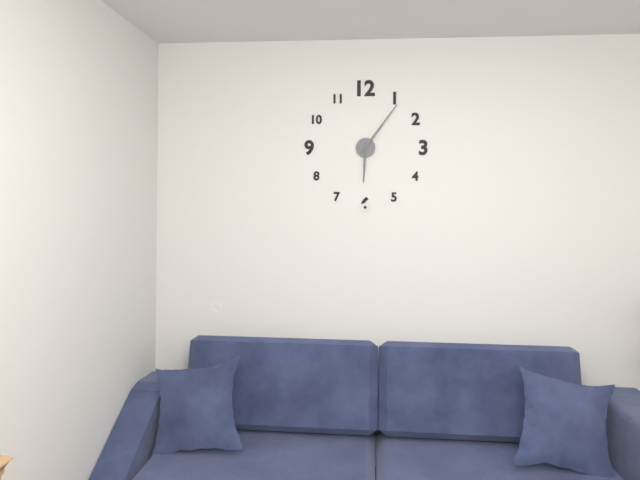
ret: {"hour": 6, "minute": 6}
